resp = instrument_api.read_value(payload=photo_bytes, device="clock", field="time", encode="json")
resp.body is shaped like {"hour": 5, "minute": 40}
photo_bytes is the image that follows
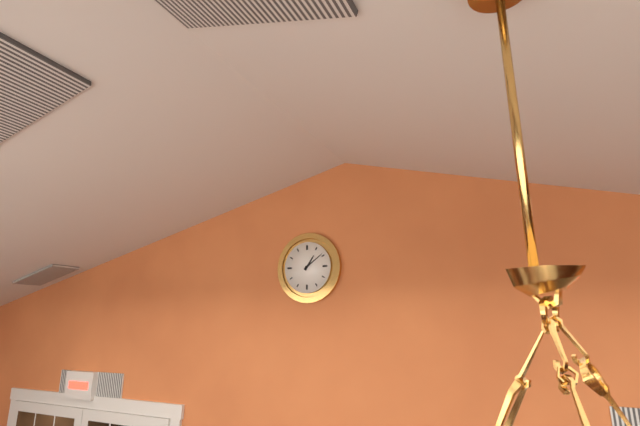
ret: {"hour": 1, "minute": 9}
